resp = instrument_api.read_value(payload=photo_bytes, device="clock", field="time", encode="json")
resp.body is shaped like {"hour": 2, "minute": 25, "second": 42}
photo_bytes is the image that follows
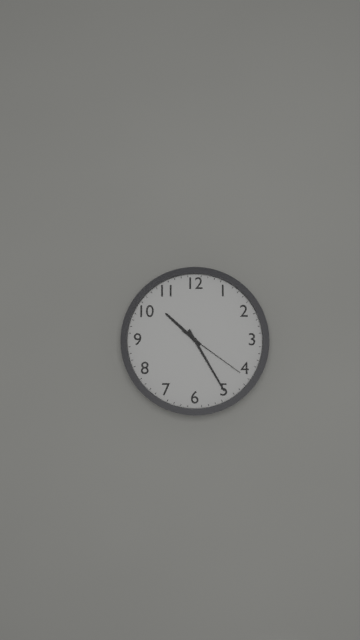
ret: {"hour": 10, "minute": 25, "second": 21}
